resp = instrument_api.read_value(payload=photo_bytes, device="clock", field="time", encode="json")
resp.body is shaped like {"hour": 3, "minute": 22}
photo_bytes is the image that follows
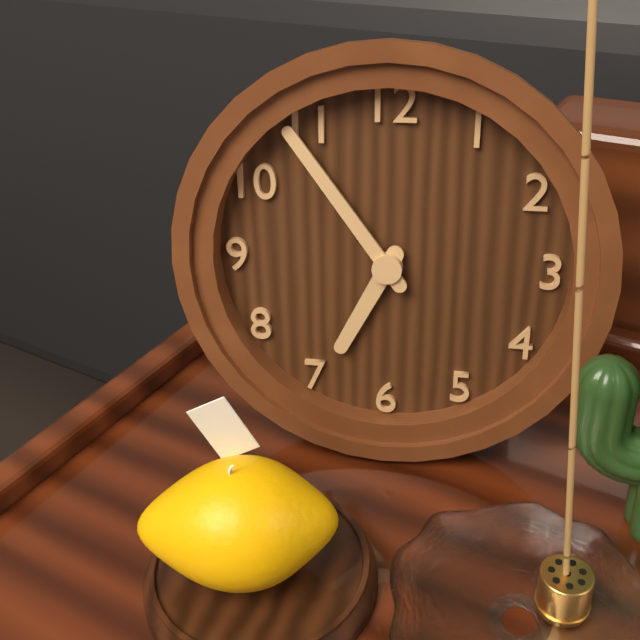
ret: {"hour": 6, "minute": 54}
